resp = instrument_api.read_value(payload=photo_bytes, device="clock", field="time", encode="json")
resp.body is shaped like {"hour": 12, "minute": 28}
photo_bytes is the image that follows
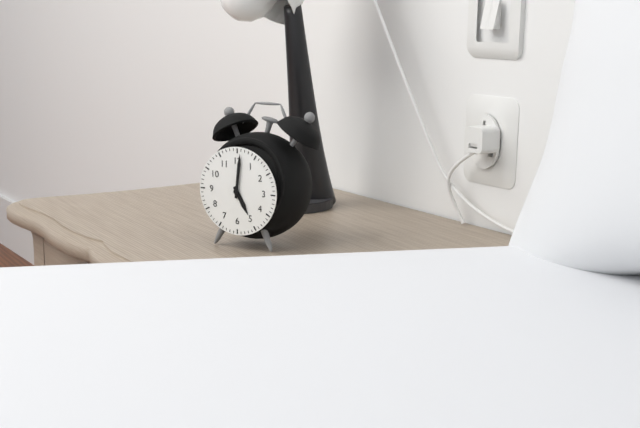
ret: {"hour": 5, "minute": 1}
